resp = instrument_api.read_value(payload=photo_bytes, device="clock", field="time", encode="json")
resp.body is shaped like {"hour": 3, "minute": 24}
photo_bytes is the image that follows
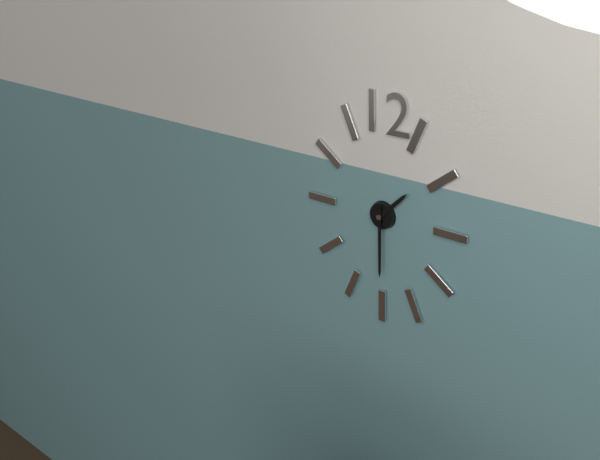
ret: {"hour": 1, "minute": 30}
